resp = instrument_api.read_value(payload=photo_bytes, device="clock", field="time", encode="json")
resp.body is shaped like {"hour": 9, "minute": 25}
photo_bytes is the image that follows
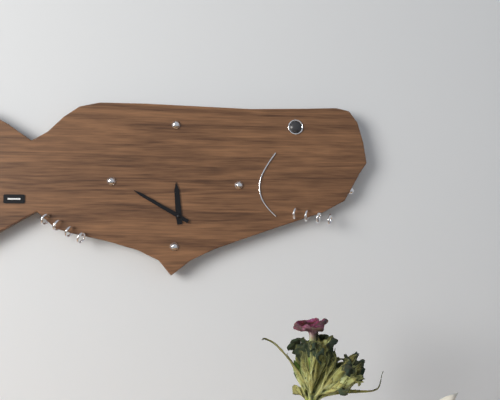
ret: {"hour": 11, "minute": 50}
